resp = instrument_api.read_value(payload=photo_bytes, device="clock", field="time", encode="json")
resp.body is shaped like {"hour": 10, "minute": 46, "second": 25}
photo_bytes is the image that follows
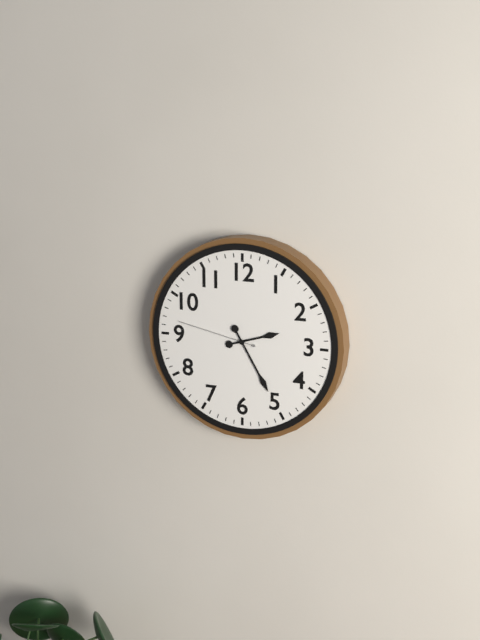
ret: {"hour": 2, "minute": 25, "second": 47}
